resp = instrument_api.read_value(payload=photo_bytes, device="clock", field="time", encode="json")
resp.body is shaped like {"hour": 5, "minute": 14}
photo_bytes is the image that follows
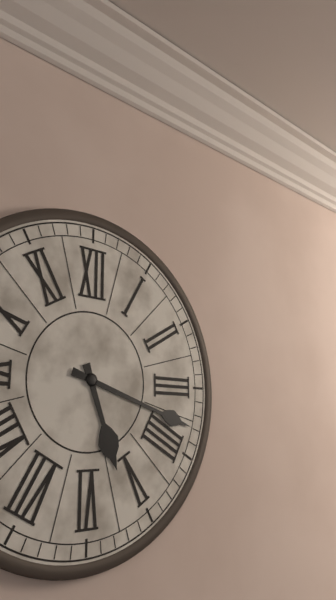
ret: {"hour": 5, "minute": 18}
